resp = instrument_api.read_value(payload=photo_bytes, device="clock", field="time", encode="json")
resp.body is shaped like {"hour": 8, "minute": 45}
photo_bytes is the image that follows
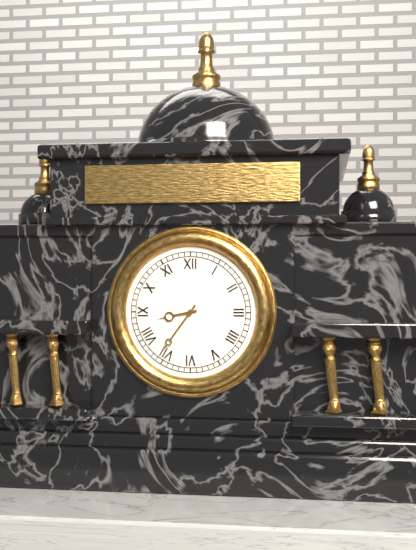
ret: {"hour": 8, "minute": 36}
